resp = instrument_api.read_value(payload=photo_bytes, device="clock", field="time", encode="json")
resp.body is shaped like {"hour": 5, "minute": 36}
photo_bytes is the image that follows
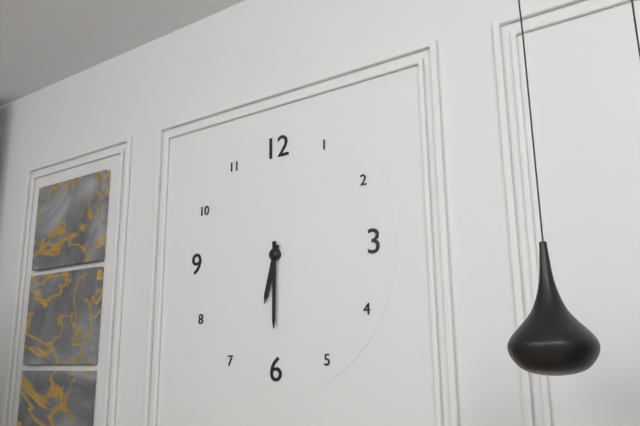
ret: {"hour": 6, "minute": 30}
